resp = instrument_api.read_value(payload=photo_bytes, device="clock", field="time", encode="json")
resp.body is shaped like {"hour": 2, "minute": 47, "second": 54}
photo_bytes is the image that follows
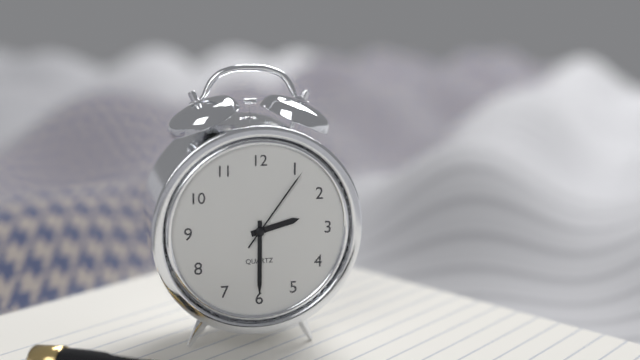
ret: {"hour": 2, "minute": 30, "second": 6}
